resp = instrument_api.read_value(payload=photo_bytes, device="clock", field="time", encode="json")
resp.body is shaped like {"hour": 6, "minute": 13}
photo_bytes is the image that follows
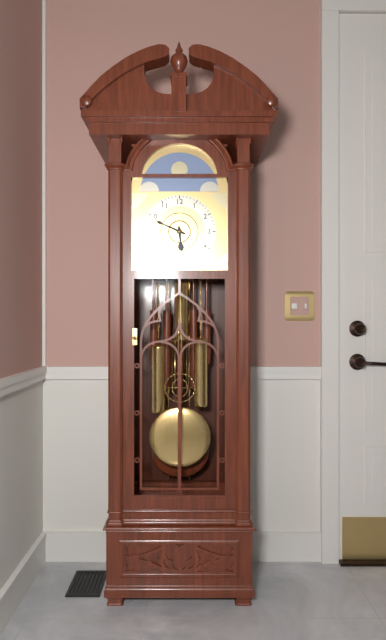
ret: {"hour": 5, "minute": 49}
